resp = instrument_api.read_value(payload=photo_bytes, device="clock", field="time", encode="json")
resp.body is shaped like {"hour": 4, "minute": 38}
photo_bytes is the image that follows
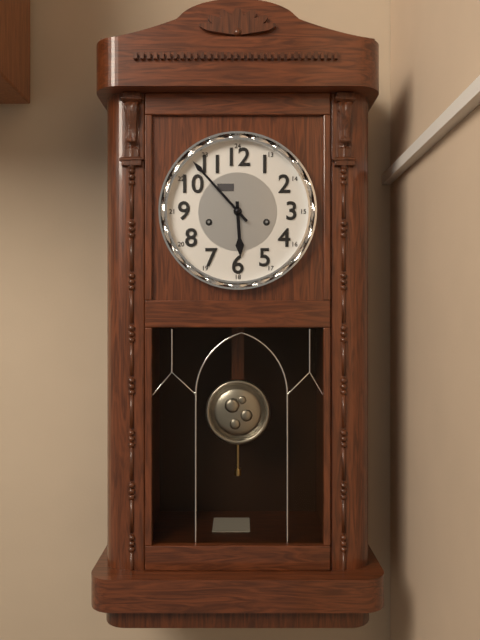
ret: {"hour": 5, "minute": 53}
